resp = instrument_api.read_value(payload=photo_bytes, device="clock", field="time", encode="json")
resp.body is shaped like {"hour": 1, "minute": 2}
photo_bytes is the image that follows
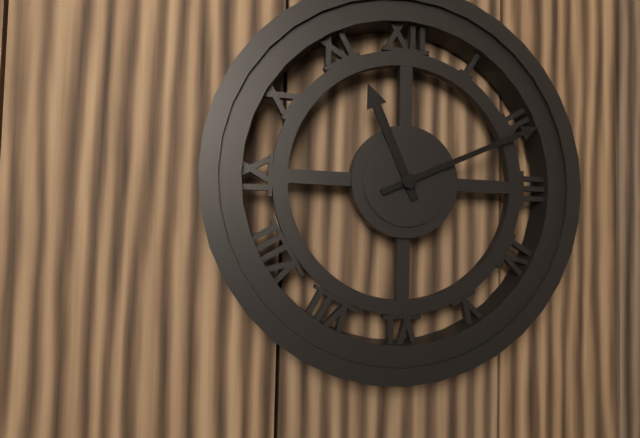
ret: {"hour": 11, "minute": 11}
